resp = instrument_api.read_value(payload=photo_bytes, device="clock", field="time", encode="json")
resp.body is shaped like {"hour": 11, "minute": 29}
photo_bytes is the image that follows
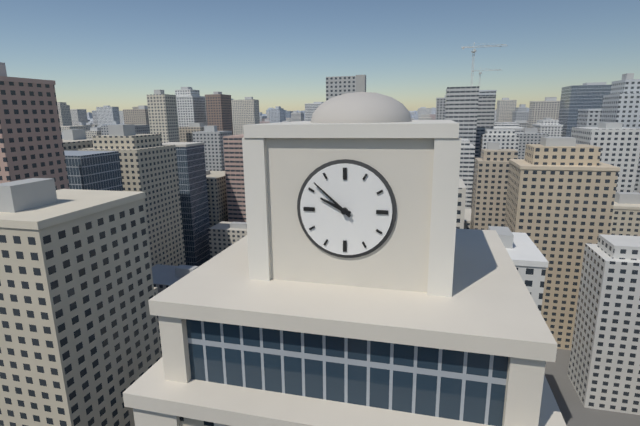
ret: {"hour": 9, "minute": 52}
